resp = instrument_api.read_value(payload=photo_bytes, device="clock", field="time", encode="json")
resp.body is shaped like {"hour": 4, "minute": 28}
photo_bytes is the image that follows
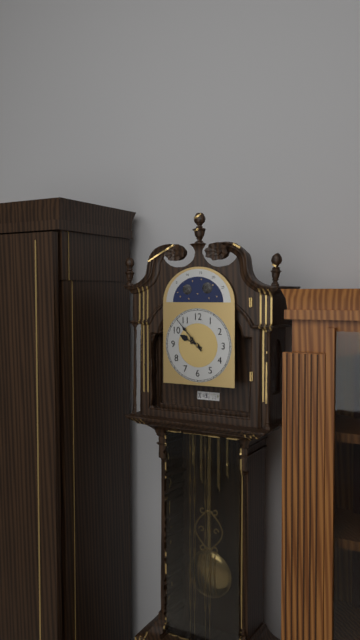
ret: {"hour": 9, "minute": 53}
